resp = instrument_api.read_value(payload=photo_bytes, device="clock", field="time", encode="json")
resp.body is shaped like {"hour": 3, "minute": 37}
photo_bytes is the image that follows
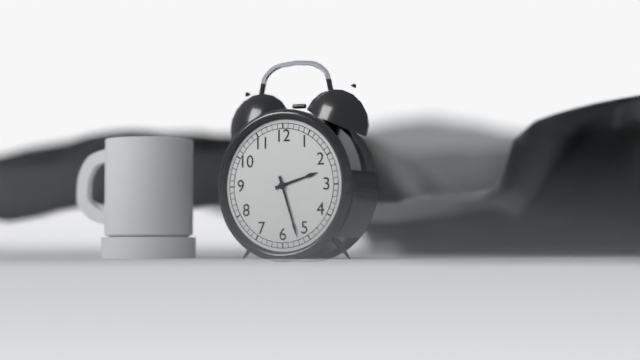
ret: {"hour": 2, "minute": 27}
